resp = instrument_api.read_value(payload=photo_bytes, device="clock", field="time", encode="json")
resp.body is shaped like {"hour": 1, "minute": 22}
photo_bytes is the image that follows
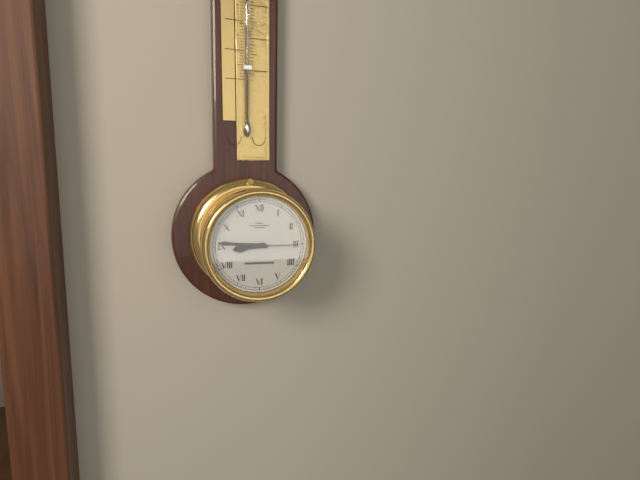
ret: {"hour": 8, "minute": 46}
